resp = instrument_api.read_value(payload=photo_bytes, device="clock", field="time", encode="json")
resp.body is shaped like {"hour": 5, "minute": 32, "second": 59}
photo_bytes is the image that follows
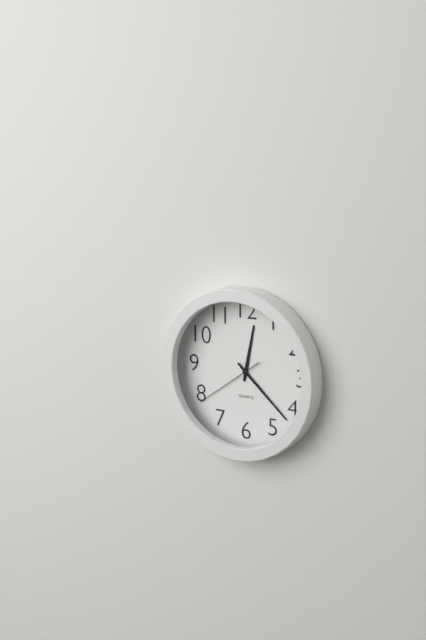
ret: {"hour": 12, "minute": 22, "second": 39}
